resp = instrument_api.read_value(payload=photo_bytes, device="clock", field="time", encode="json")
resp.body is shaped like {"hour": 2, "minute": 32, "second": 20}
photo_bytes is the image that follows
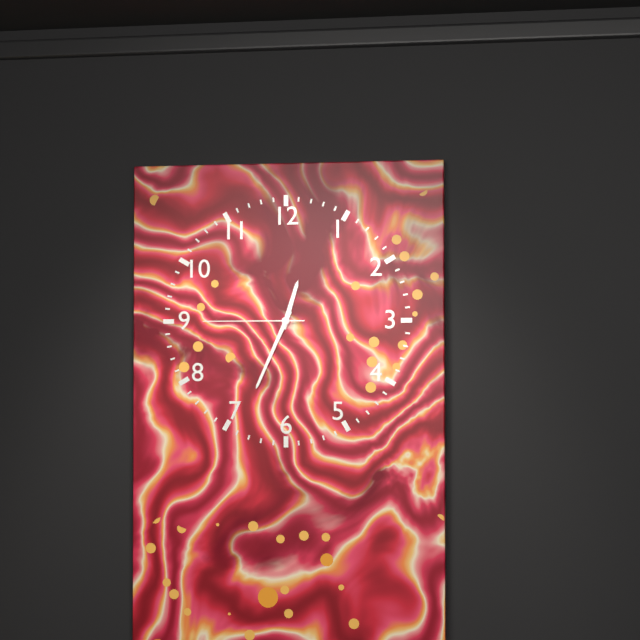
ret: {"hour": 12, "minute": 34, "second": 45}
